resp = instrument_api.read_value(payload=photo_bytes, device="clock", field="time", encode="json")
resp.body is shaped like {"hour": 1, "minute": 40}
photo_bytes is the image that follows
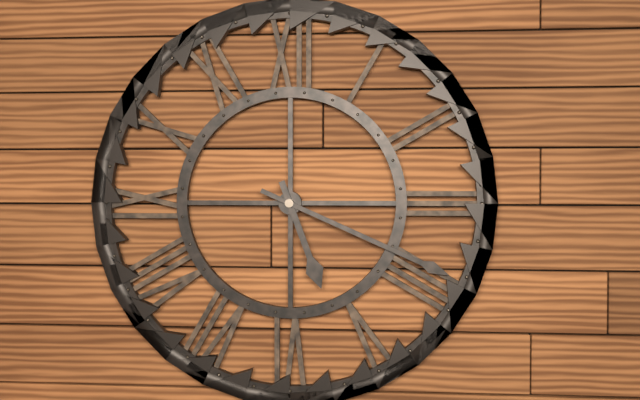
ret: {"hour": 5, "minute": 19}
